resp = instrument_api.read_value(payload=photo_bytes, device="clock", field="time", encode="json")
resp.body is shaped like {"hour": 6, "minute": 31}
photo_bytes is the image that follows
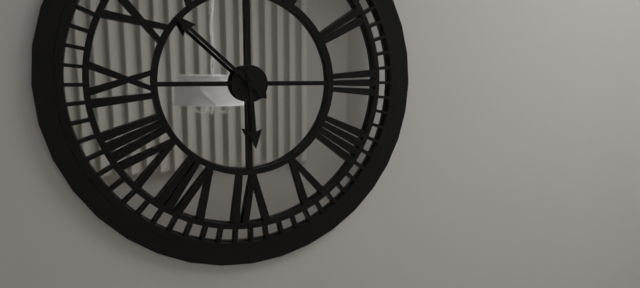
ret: {"hour": 5, "minute": 52}
